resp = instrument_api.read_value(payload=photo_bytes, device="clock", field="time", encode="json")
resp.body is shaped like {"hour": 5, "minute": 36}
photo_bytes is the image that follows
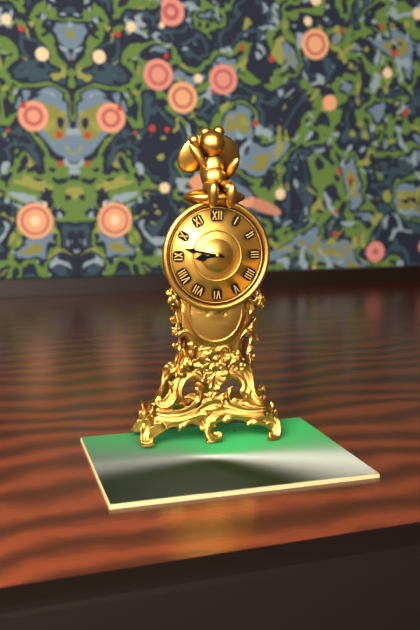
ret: {"hour": 8, "minute": 47}
